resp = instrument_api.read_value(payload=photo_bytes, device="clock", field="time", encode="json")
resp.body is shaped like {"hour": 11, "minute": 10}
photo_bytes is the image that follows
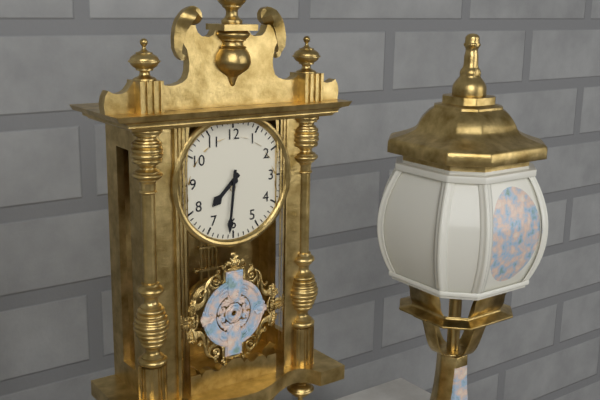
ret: {"hour": 7, "minute": 31}
